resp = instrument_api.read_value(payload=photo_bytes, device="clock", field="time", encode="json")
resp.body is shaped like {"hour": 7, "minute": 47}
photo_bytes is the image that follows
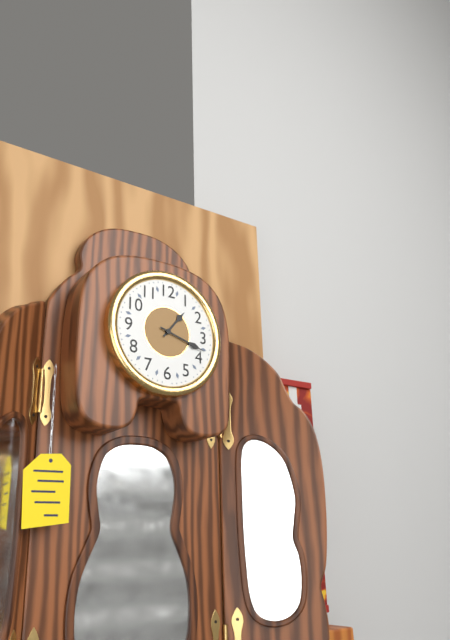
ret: {"hour": 1, "minute": 18}
